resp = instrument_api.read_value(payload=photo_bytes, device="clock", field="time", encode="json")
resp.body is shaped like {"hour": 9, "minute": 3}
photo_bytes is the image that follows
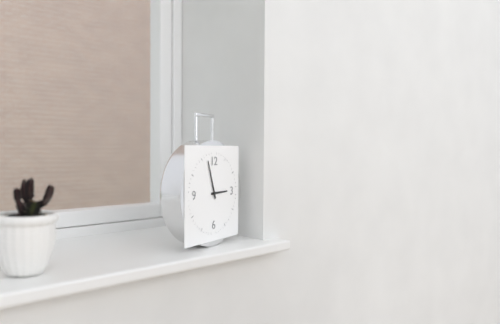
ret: {"hour": 2, "minute": 57}
